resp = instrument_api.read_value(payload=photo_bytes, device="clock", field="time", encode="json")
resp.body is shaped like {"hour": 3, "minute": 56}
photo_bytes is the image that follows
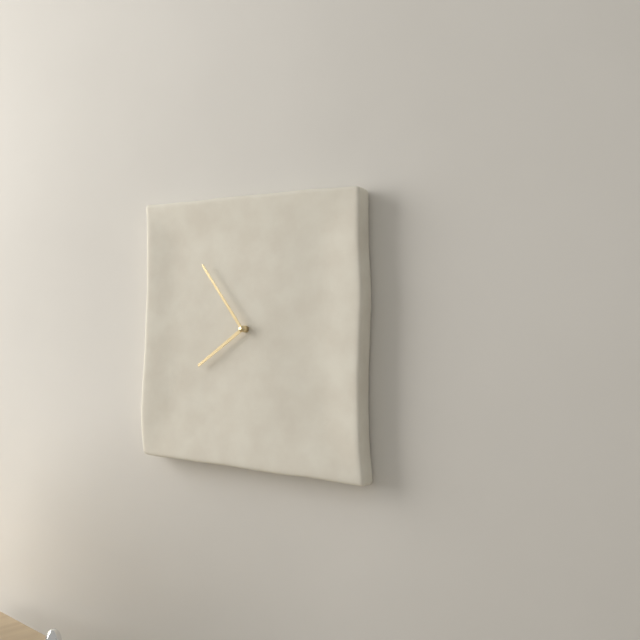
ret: {"hour": 7, "minute": 54}
